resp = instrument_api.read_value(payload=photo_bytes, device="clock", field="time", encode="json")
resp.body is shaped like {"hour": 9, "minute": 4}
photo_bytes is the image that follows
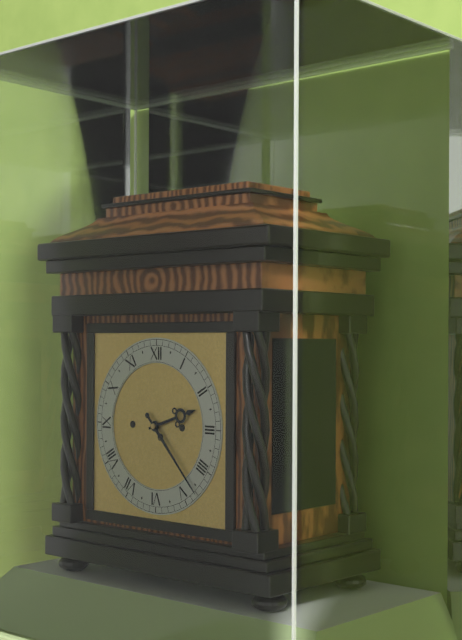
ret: {"hour": 2, "minute": 23}
